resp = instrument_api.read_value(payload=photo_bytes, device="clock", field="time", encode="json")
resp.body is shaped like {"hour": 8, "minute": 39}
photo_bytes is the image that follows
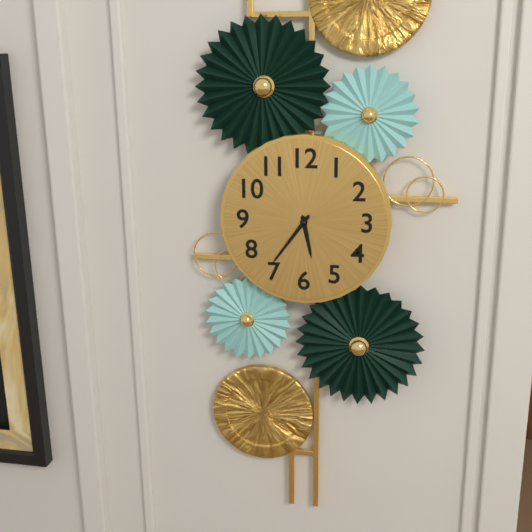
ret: {"hour": 5, "minute": 36}
